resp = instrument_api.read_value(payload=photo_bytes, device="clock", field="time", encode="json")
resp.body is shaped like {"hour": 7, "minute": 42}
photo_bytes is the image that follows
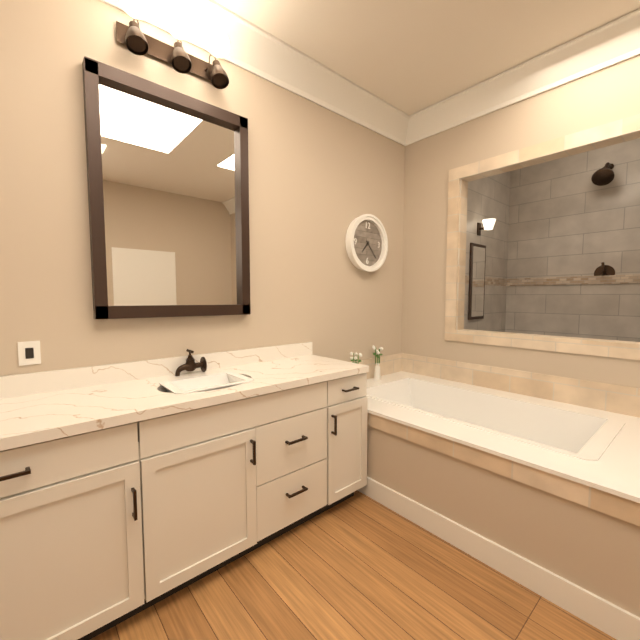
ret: {"hour": 7, "minute": 23}
